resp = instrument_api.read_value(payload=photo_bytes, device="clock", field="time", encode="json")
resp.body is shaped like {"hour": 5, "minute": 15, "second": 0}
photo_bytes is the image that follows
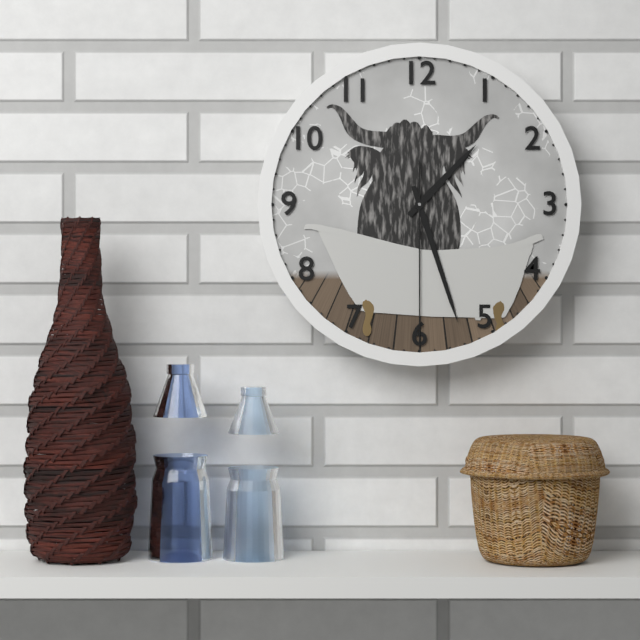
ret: {"hour": 1, "minute": 27, "second": 30}
